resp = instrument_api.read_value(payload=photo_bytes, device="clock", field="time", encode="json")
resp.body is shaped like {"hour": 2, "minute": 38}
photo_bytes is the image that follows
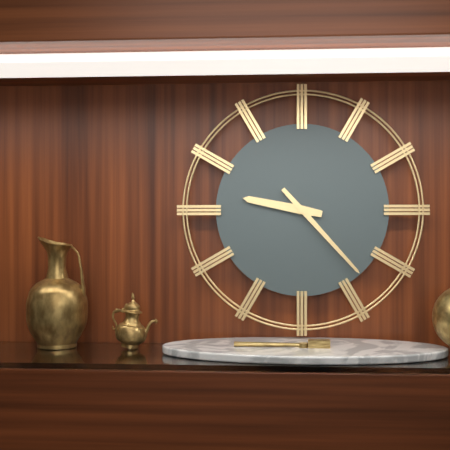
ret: {"hour": 9, "minute": 23}
